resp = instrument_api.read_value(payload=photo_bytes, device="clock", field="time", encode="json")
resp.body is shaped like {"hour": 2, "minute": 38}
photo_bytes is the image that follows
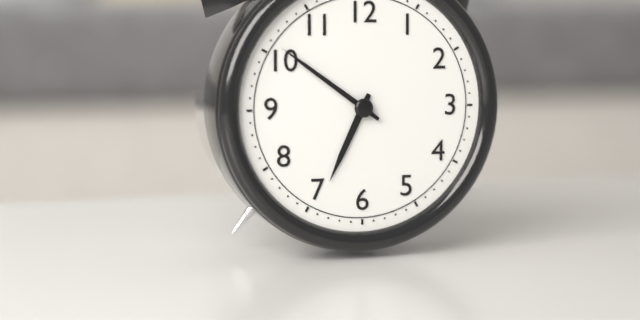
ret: {"hour": 6, "minute": 51}
